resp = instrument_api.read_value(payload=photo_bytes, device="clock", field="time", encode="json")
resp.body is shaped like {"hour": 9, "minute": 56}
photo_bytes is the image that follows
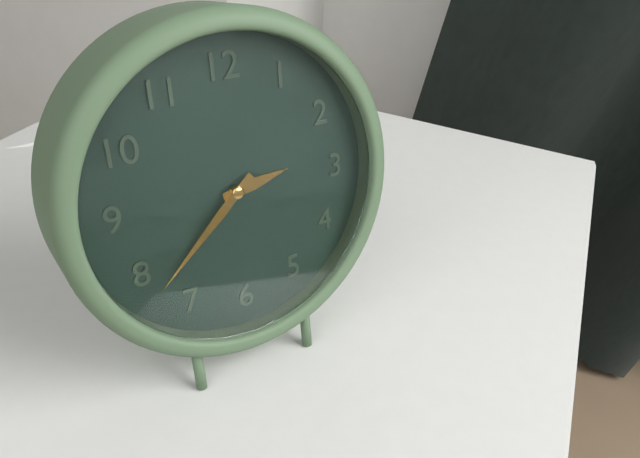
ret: {"hour": 2, "minute": 38}
